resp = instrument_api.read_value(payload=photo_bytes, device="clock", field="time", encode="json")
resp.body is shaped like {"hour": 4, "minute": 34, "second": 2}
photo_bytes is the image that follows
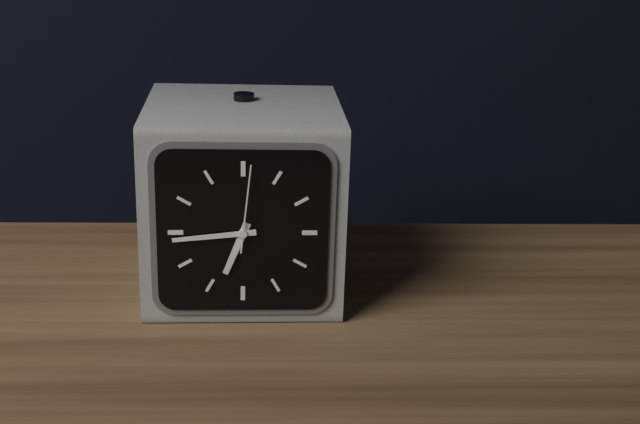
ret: {"hour": 6, "minute": 44, "second": 1}
